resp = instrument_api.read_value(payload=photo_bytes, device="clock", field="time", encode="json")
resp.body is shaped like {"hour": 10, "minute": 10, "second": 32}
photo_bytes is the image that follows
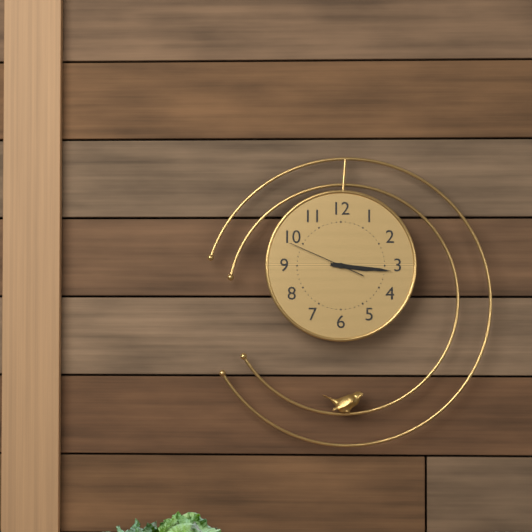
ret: {"hour": 3, "minute": 16, "second": 49}
